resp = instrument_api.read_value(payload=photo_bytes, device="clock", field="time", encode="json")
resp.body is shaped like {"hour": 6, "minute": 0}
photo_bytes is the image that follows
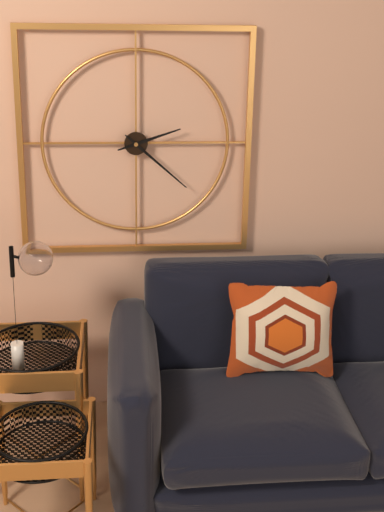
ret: {"hour": 2, "minute": 22}
